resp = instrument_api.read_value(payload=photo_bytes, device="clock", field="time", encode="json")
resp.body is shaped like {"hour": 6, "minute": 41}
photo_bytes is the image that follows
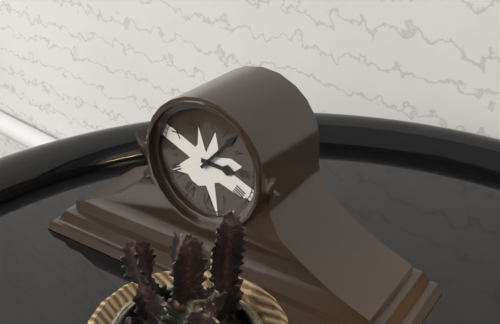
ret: {"hour": 3, "minute": 7}
